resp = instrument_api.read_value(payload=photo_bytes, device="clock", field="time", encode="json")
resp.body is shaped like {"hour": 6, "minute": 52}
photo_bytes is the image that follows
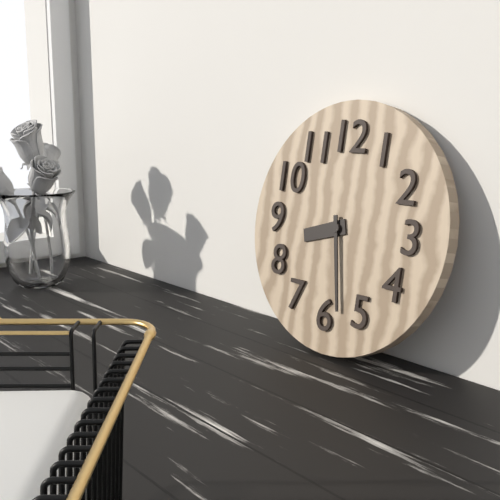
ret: {"hour": 8, "minute": 28}
